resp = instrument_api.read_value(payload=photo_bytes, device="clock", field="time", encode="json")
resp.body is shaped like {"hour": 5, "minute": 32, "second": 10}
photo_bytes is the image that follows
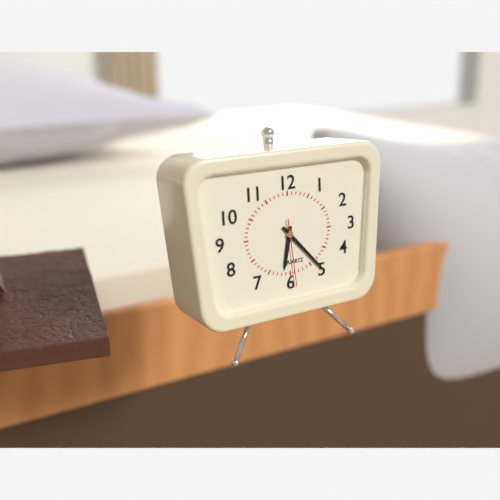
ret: {"hour": 6, "minute": 23, "second": 29}
